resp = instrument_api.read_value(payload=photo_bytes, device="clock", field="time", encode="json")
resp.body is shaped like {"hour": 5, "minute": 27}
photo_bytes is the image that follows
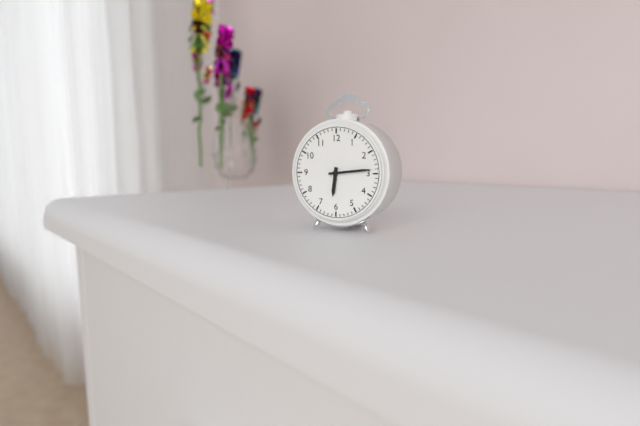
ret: {"hour": 6, "minute": 14}
